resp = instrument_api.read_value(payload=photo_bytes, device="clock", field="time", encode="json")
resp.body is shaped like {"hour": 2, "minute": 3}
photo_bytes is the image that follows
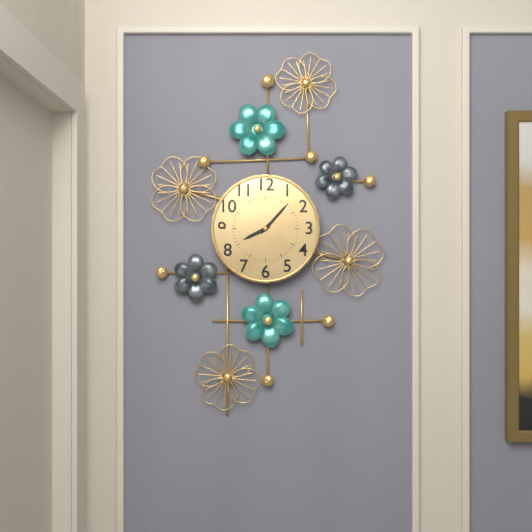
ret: {"hour": 8, "minute": 7}
